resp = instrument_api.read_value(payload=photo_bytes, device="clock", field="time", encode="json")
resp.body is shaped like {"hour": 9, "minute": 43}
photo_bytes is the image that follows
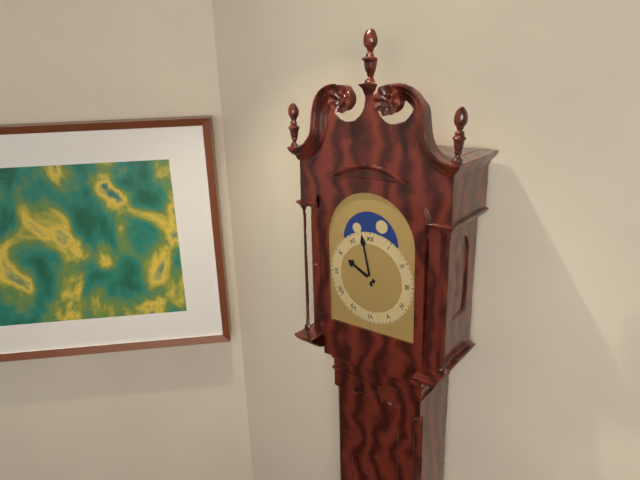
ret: {"hour": 9, "minute": 58}
